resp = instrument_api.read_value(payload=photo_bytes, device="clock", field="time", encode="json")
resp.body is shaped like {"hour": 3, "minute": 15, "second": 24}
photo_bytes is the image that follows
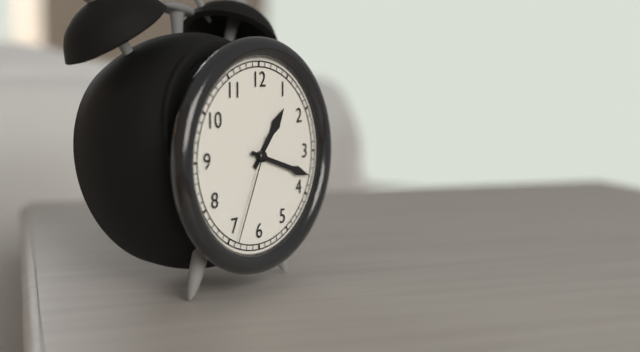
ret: {"hour": 1, "minute": 18, "second": 34}
